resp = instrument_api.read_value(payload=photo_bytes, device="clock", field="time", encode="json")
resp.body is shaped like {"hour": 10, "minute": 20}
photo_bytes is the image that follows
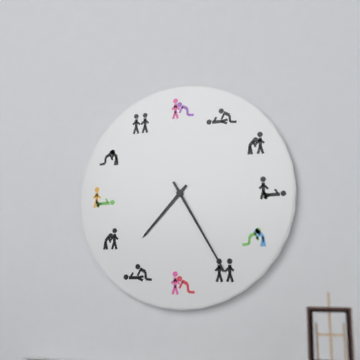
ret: {"hour": 7, "minute": 25}
